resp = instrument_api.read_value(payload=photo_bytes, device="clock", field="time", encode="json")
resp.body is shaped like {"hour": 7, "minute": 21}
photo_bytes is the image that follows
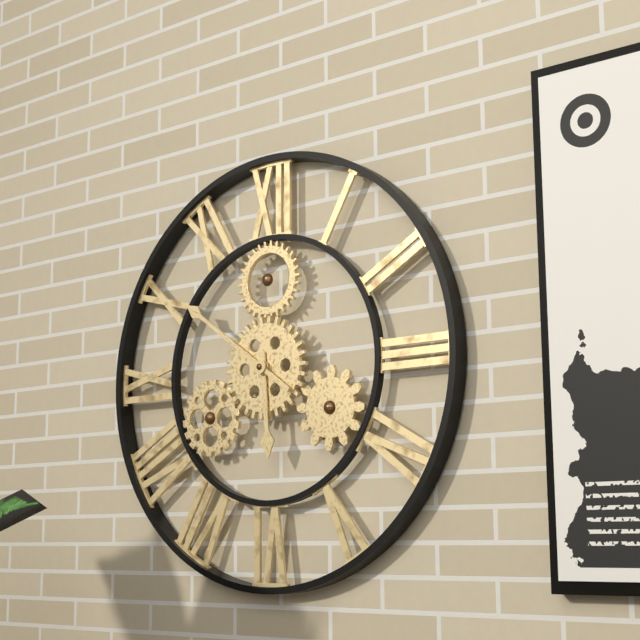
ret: {"hour": 5, "minute": 51}
